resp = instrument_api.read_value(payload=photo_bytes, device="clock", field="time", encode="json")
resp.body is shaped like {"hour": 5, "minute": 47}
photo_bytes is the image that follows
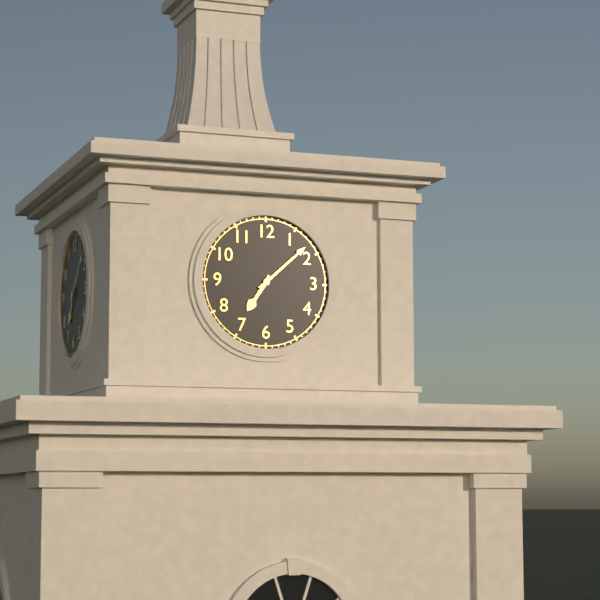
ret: {"hour": 7, "minute": 8}
